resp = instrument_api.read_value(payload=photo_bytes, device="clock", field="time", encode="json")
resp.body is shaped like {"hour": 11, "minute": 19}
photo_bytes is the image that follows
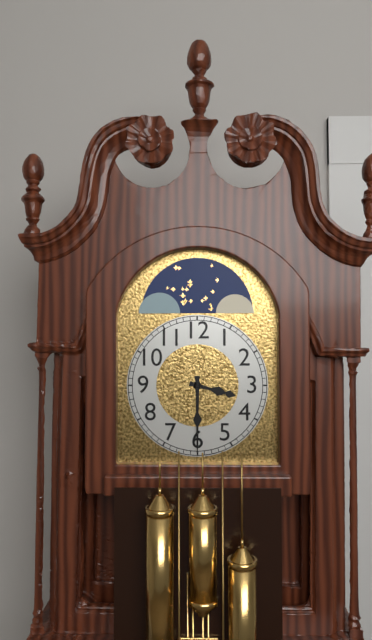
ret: {"hour": 3, "minute": 30}
